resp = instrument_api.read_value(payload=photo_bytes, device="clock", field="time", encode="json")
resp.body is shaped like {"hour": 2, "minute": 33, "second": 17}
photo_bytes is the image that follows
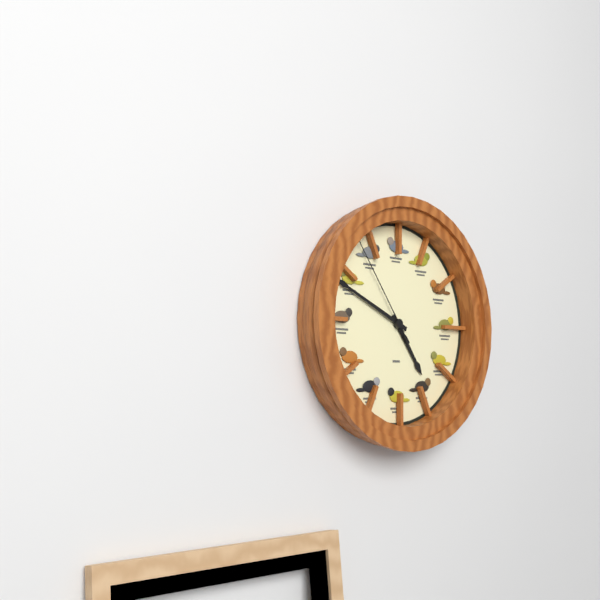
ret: {"hour": 4, "minute": 49, "second": 54}
